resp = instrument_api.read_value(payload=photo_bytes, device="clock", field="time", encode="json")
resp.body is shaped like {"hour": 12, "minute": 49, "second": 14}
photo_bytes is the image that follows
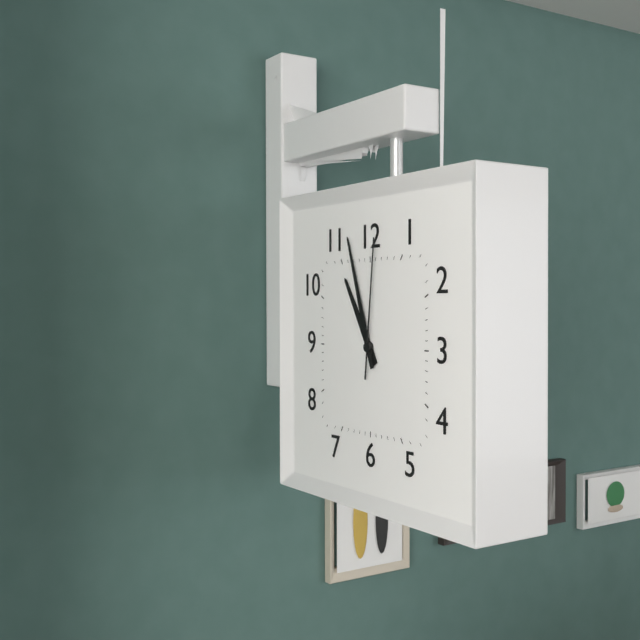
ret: {"hour": 10, "minute": 57, "second": 1}
